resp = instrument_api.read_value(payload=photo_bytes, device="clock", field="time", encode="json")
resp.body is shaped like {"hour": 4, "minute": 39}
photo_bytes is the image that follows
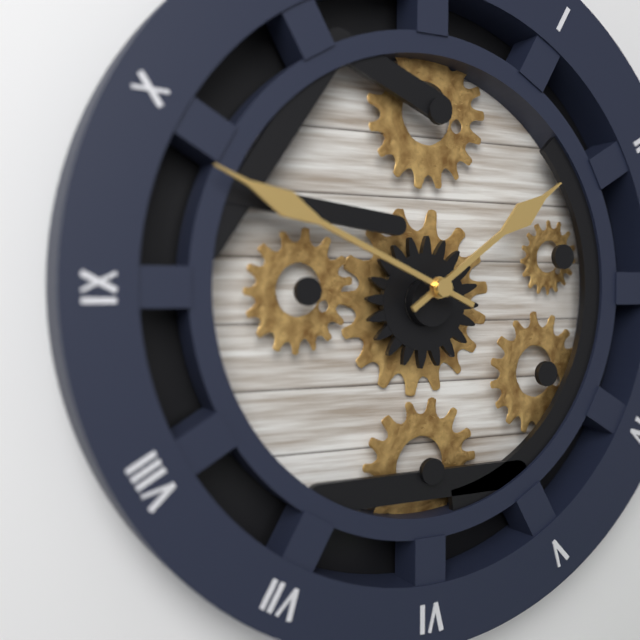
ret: {"hour": 1, "minute": 49}
